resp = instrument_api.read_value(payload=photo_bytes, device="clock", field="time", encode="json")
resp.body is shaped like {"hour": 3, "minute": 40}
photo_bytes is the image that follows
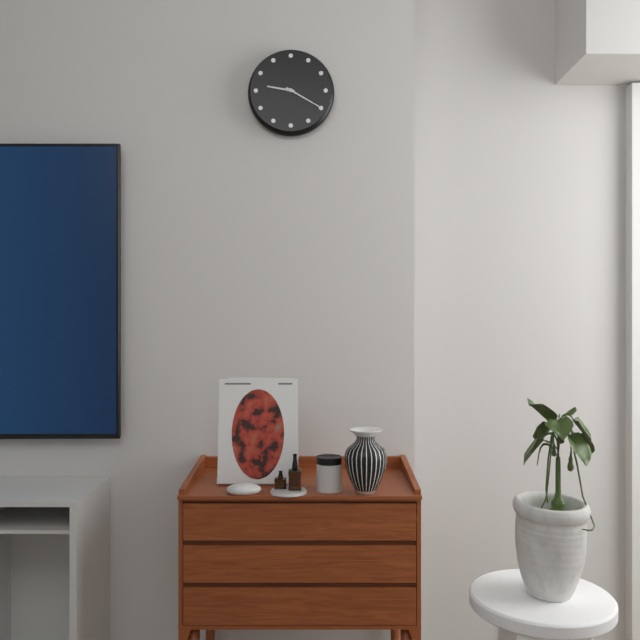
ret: {"hour": 9, "minute": 20}
